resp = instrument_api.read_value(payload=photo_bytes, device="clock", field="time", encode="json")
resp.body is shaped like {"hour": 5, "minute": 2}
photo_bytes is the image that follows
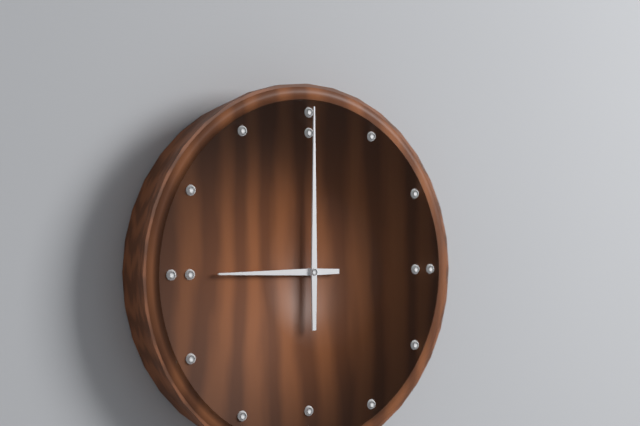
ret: {"hour": 9, "minute": 0}
